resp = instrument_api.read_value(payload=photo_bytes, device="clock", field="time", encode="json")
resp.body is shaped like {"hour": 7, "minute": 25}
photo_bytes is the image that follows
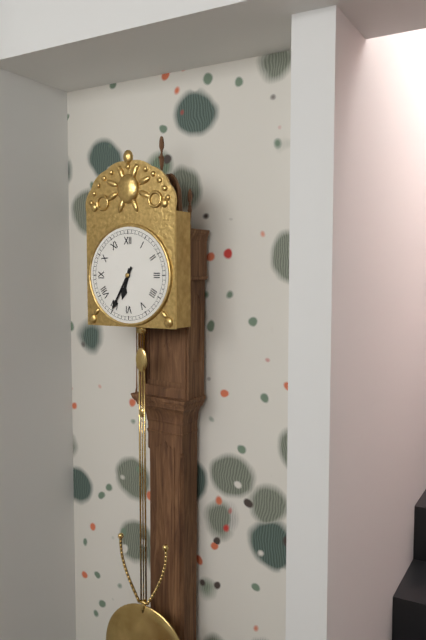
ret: {"hour": 6, "minute": 35}
